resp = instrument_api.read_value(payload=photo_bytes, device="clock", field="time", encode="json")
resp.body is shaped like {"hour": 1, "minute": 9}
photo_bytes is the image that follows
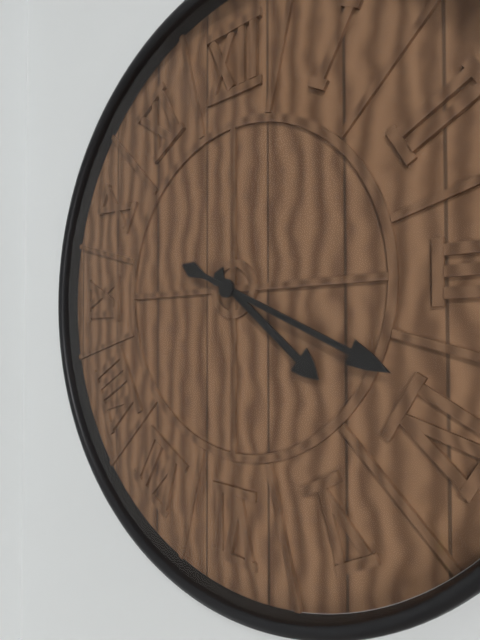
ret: {"hour": 4, "minute": 19}
